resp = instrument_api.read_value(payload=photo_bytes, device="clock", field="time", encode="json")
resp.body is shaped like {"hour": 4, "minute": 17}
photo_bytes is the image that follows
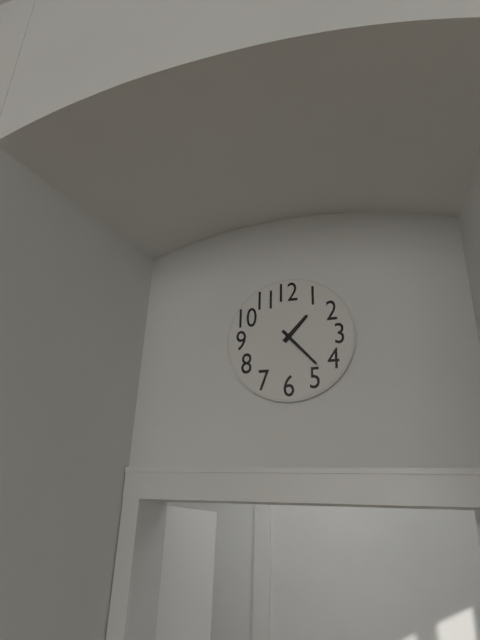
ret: {"hour": 1, "minute": 23}
